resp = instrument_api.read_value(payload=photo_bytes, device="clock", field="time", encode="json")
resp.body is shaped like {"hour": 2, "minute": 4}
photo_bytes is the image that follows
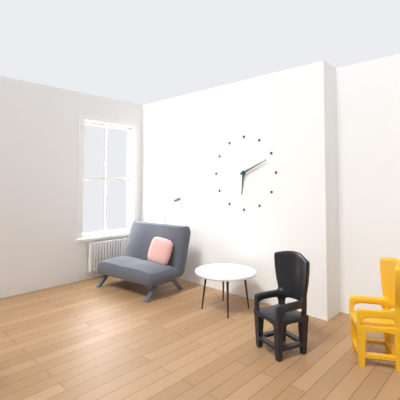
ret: {"hour": 6, "minute": 11}
